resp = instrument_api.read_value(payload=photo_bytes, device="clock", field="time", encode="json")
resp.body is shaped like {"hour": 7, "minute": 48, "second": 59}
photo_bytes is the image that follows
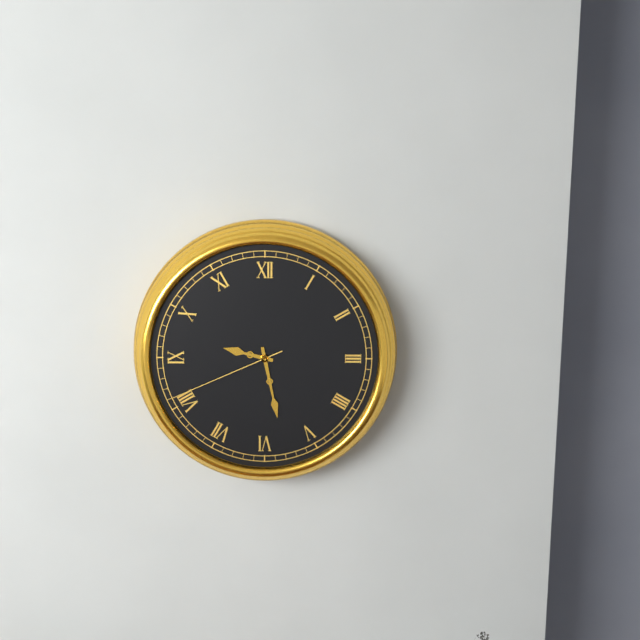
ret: {"hour": 9, "minute": 28, "second": 41}
